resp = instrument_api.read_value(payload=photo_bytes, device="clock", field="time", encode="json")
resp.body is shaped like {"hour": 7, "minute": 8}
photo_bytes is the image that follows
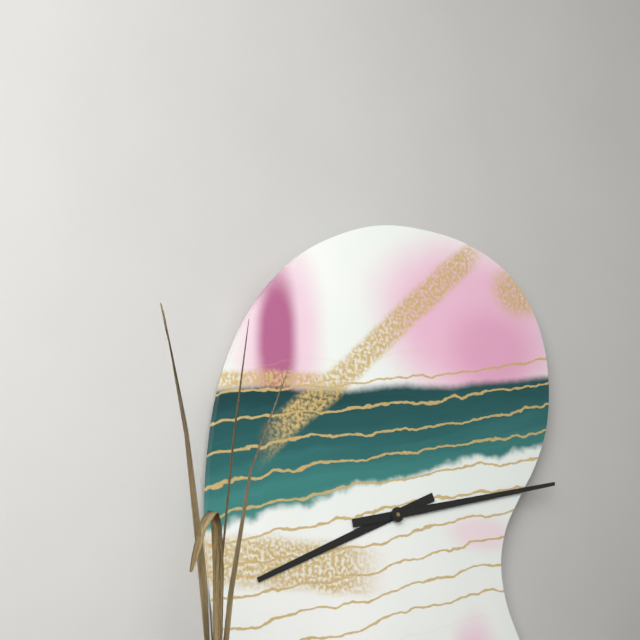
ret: {"hour": 8, "minute": 13}
